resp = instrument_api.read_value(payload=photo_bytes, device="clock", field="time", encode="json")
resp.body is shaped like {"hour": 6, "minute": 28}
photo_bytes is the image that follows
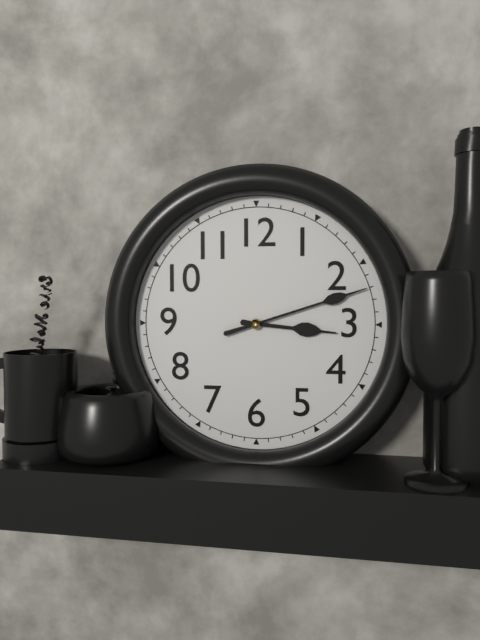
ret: {"hour": 3, "minute": 12}
